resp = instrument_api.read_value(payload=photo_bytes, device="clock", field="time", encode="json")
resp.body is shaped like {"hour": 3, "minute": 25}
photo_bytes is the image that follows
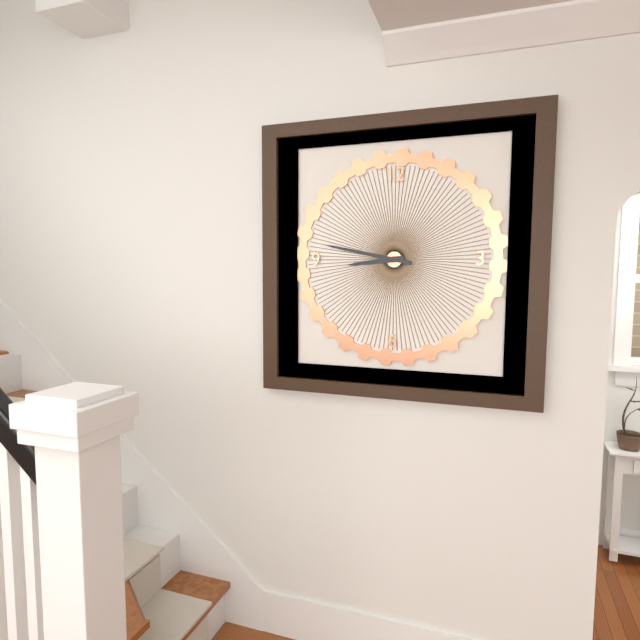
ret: {"hour": 8, "minute": 47}
